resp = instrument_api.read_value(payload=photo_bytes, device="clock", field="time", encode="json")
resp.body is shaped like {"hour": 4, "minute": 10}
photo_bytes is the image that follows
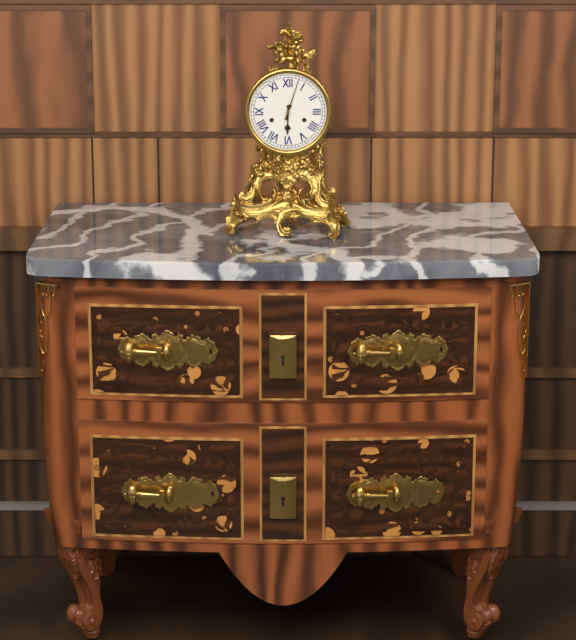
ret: {"hour": 6, "minute": 3}
